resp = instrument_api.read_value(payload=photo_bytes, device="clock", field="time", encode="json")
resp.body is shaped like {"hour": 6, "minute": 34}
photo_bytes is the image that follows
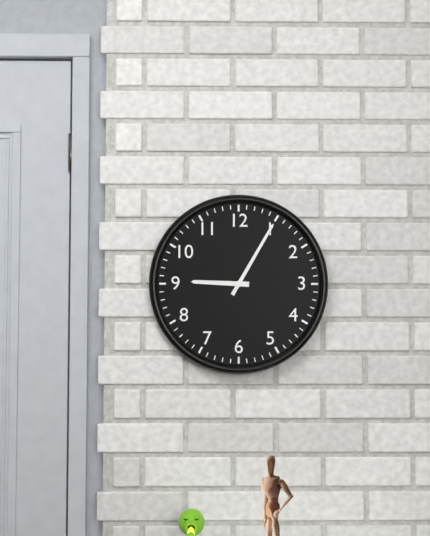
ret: {"hour": 9, "minute": 5}
